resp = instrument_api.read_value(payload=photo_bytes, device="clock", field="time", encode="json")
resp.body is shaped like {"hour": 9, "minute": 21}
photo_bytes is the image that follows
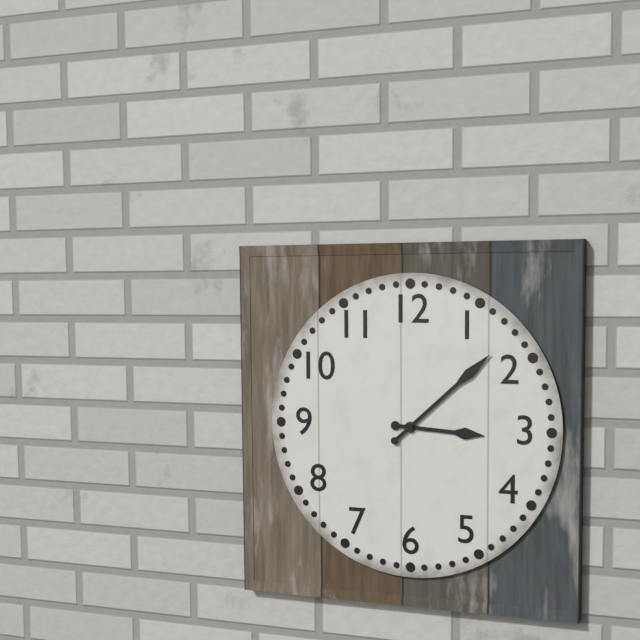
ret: {"hour": 3, "minute": 8}
